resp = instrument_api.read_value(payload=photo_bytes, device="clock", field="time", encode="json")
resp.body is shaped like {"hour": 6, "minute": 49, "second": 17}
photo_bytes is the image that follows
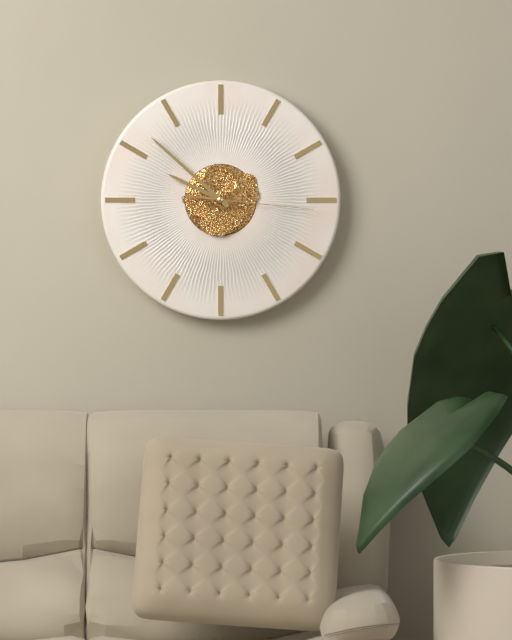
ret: {"hour": 9, "minute": 52, "second": 16}
